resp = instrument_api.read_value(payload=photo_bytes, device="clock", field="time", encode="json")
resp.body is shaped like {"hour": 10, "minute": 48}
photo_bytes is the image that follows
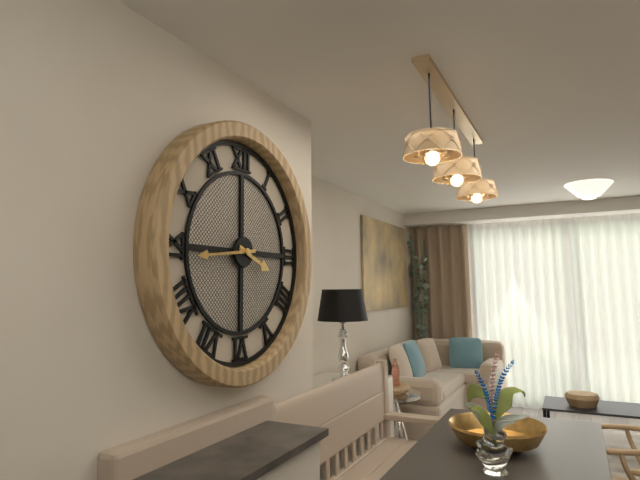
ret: {"hour": 3, "minute": 44}
